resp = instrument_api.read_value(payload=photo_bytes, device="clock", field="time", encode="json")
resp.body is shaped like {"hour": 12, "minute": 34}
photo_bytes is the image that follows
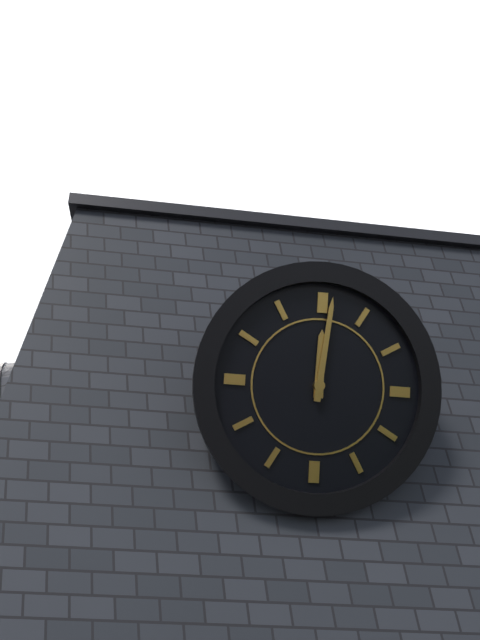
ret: {"hour": 12, "minute": 1}
